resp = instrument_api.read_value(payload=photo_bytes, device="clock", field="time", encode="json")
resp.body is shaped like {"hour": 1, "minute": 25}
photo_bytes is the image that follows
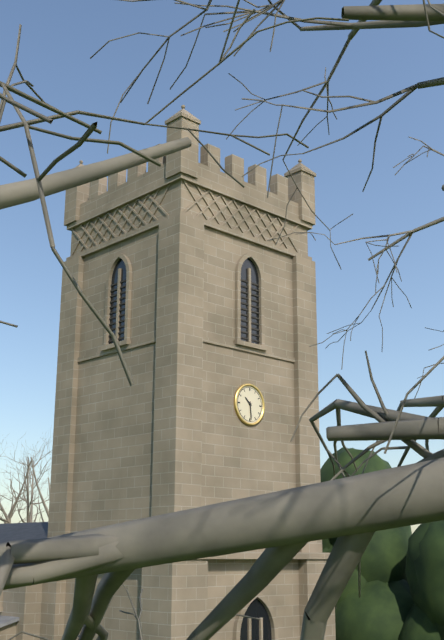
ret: {"hour": 10, "minute": 29}
